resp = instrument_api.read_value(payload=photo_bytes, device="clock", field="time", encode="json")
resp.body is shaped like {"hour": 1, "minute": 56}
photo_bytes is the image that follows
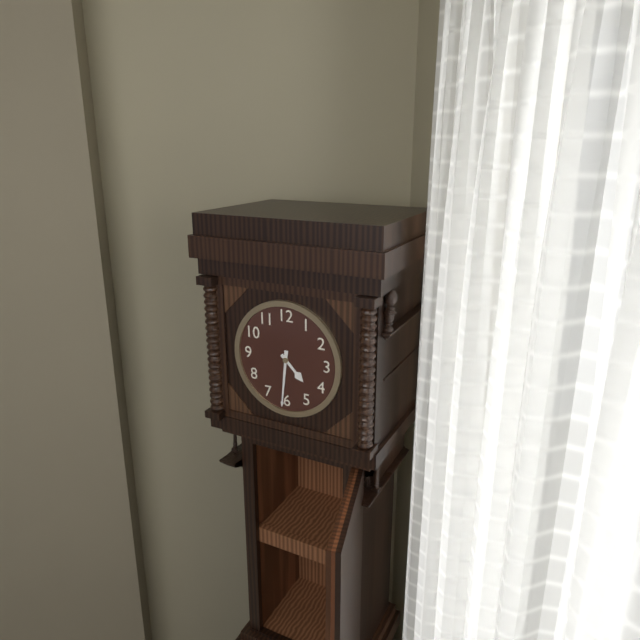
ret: {"hour": 4, "minute": 31}
